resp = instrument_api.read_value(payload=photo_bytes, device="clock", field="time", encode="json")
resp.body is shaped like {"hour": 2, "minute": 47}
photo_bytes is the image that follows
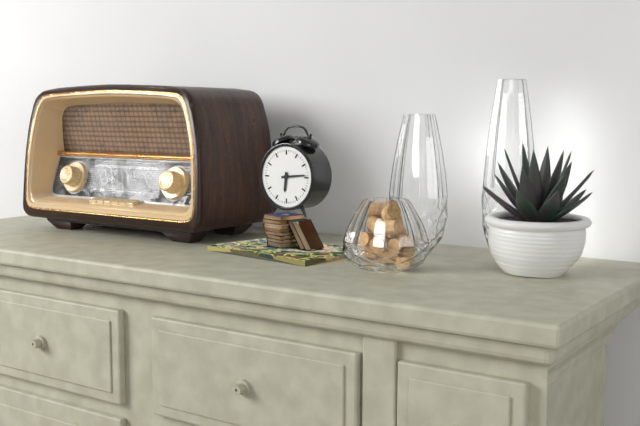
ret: {"hour": 6, "minute": 14}
